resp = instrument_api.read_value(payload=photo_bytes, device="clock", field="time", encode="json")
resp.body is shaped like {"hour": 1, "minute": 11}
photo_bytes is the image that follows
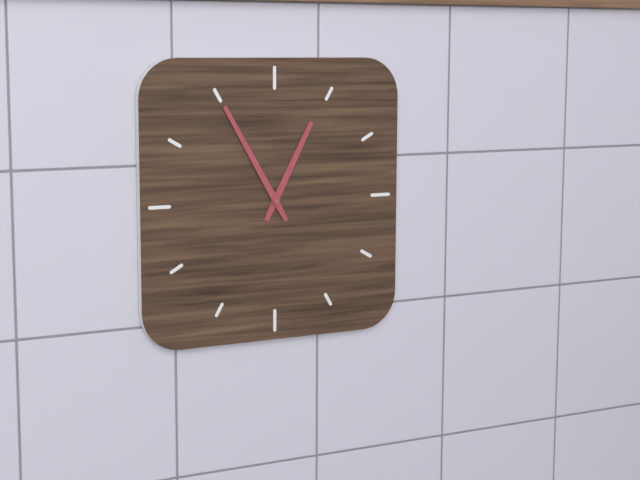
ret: {"hour": 12, "minute": 55}
